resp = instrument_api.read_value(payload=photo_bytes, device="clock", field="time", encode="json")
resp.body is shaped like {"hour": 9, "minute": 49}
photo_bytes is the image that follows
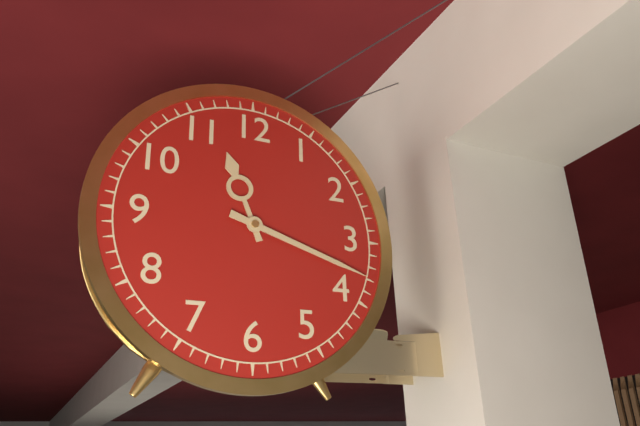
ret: {"hour": 11, "minute": 18}
